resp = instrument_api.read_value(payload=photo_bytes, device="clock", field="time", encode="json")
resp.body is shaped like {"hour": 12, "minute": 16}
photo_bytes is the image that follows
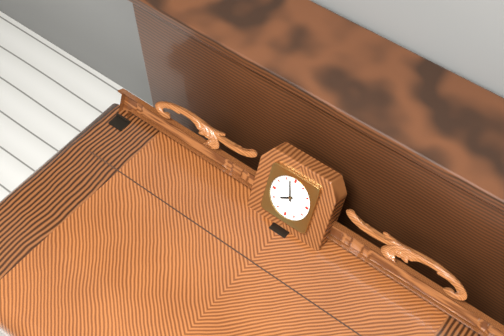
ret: {"hour": 7, "minute": 57}
